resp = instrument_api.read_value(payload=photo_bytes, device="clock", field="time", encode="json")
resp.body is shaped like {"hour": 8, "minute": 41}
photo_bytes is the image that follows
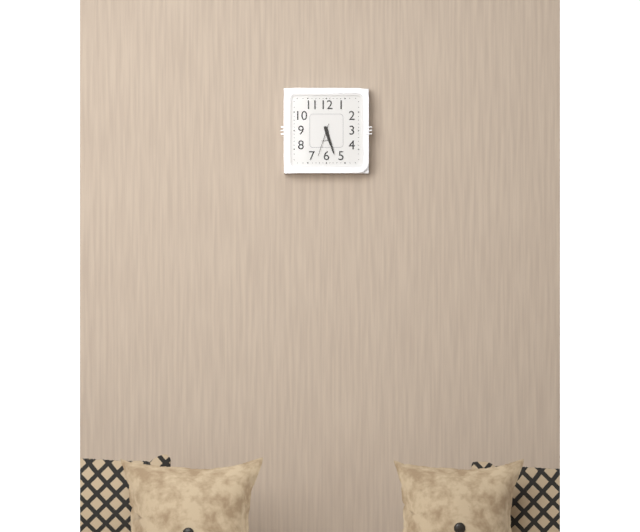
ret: {"hour": 5, "minute": 27}
